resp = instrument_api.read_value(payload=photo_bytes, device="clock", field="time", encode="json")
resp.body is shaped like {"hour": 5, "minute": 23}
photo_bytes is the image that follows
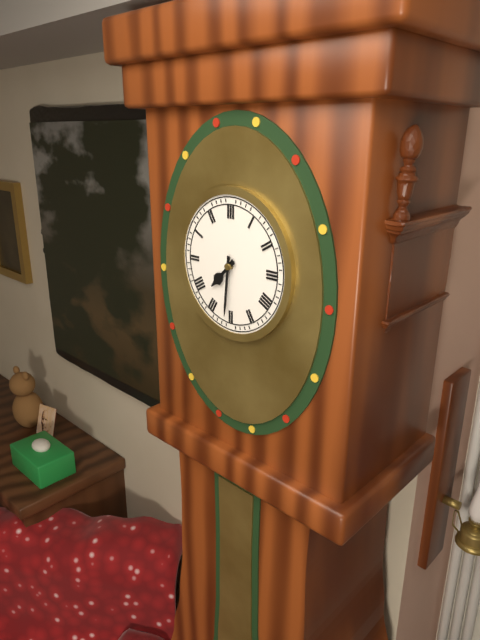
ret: {"hour": 7, "minute": 31}
